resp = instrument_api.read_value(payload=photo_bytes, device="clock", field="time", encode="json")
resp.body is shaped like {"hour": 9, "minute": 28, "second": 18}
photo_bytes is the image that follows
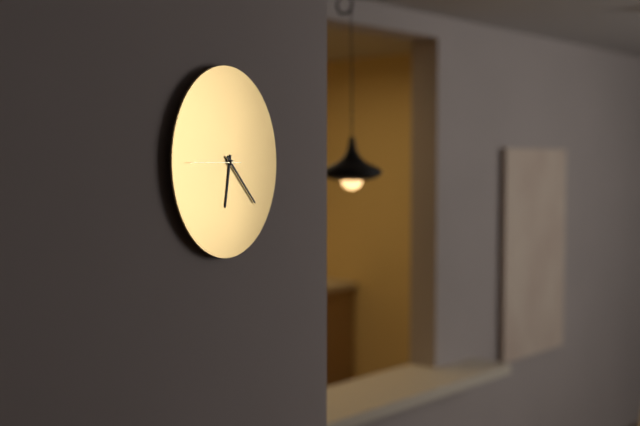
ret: {"hour": 6, "minute": 22, "second": 45}
